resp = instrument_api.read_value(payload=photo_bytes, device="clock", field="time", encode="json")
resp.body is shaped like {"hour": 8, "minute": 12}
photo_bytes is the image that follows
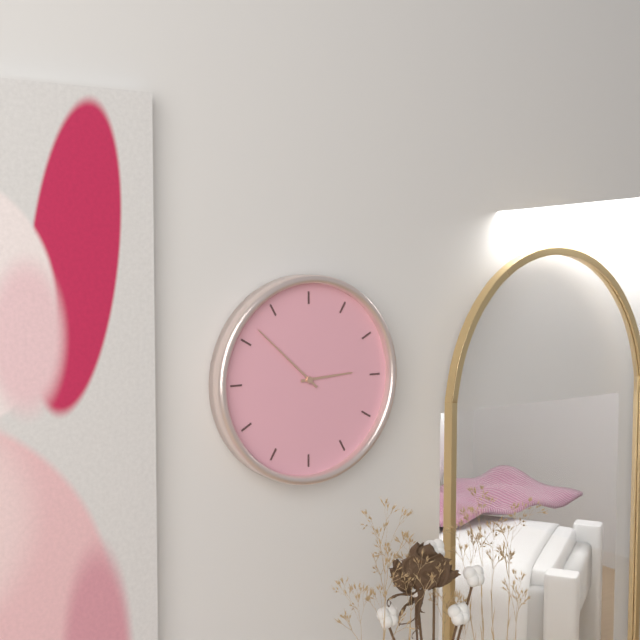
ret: {"hour": 2, "minute": 52}
